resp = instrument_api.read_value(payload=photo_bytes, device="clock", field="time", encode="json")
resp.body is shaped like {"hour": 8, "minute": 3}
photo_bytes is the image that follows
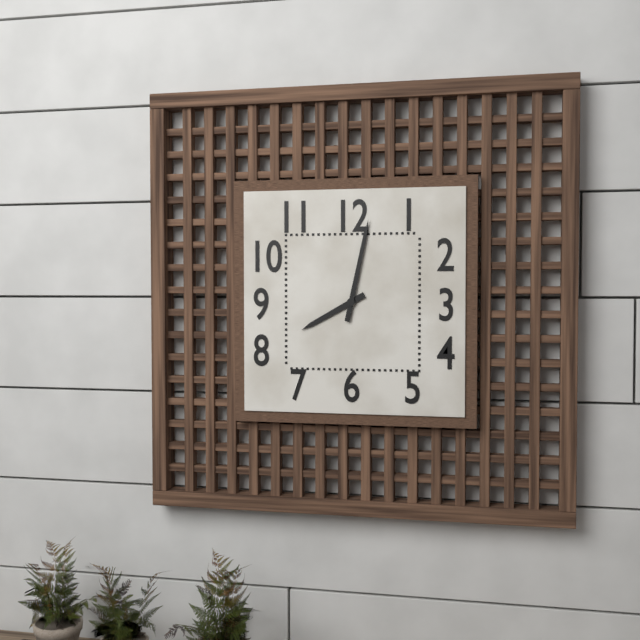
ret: {"hour": 8, "minute": 2}
